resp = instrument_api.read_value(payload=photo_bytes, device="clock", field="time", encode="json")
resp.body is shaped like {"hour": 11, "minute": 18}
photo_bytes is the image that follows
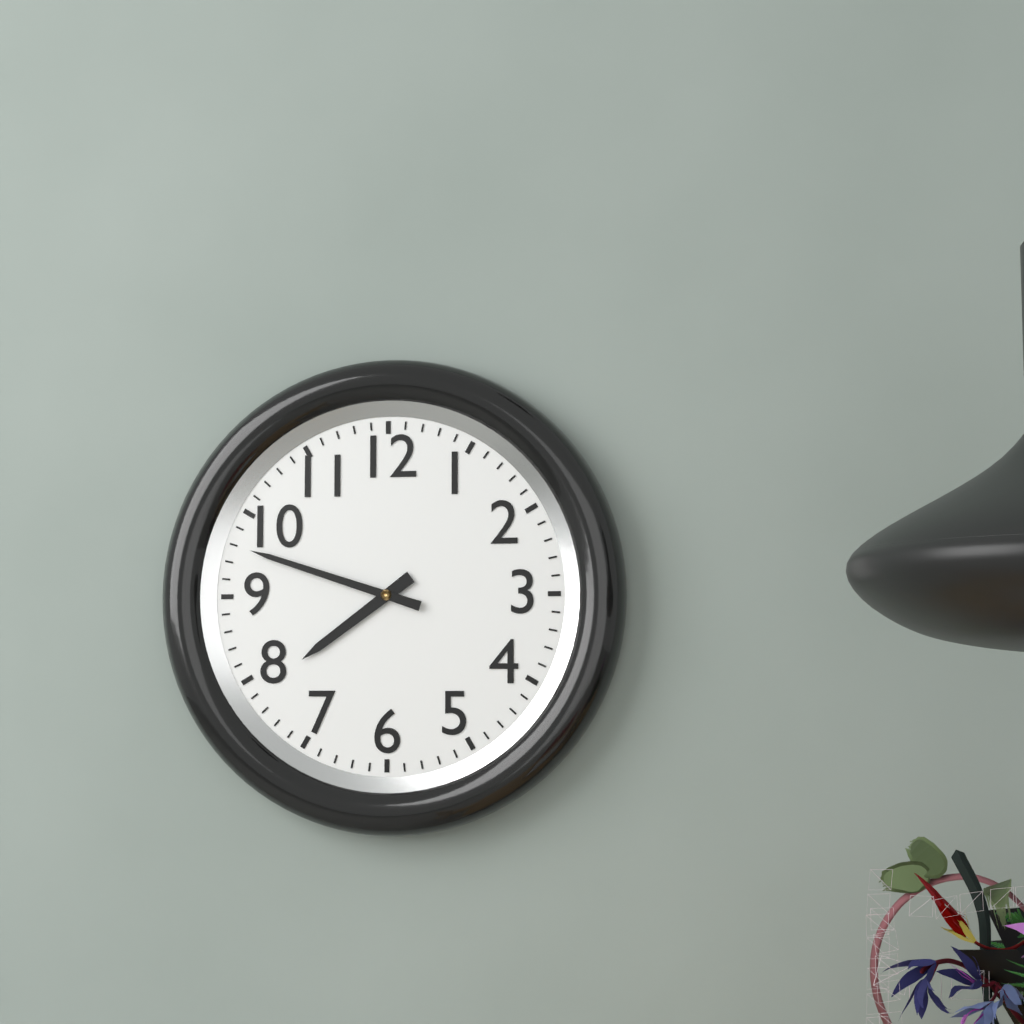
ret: {"hour": 7, "minute": 48}
